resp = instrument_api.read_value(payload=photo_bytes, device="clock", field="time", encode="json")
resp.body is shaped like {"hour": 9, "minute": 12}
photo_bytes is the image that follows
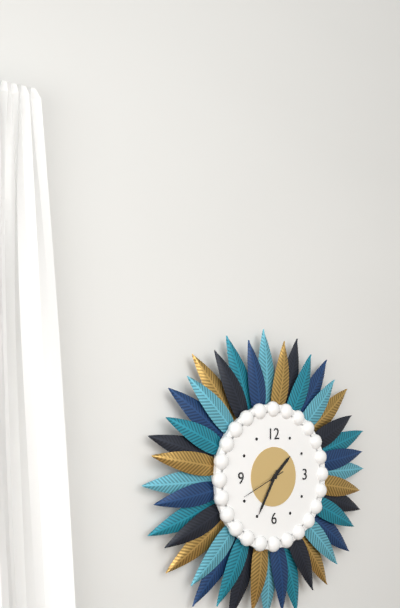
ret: {"hour": 1, "minute": 35}
